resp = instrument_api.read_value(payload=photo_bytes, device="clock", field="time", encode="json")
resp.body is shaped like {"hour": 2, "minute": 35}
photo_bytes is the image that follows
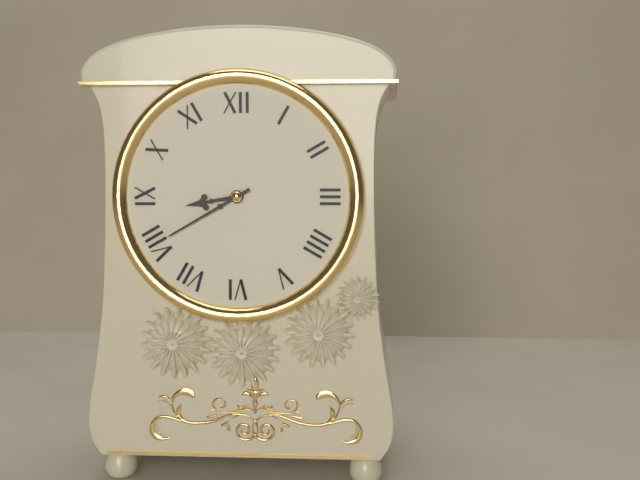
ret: {"hour": 8, "minute": 40}
